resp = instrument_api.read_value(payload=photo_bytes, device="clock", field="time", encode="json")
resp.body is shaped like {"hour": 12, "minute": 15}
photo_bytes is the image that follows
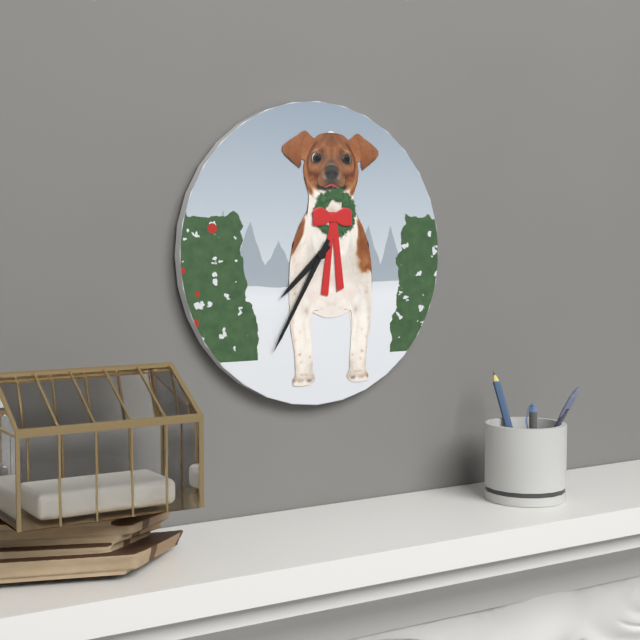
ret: {"hour": 7, "minute": 35}
